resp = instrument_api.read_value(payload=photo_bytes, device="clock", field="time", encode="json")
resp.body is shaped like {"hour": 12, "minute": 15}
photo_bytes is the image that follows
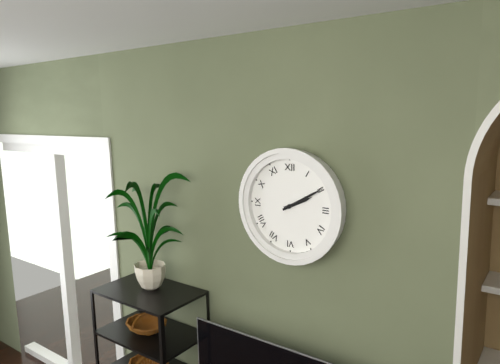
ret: {"hour": 2, "minute": 10}
